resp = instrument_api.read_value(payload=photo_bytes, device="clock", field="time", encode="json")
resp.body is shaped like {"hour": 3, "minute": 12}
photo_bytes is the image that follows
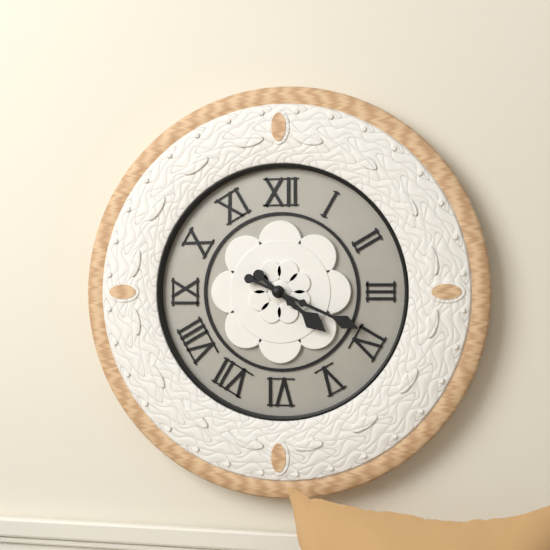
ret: {"hour": 4, "minute": 19}
